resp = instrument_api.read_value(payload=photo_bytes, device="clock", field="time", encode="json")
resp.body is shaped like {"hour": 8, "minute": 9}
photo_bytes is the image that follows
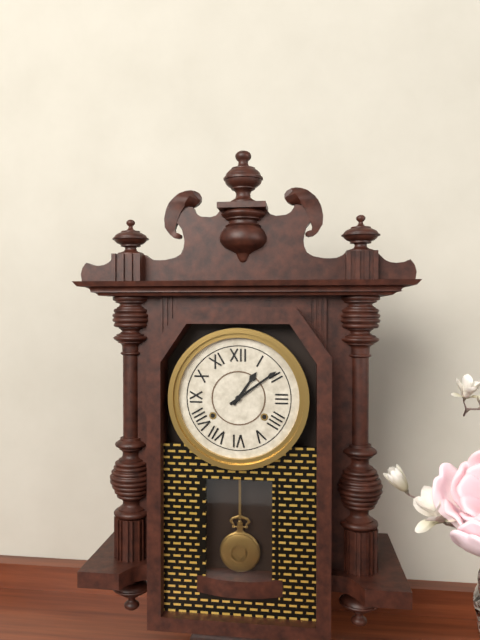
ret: {"hour": 1, "minute": 9}
